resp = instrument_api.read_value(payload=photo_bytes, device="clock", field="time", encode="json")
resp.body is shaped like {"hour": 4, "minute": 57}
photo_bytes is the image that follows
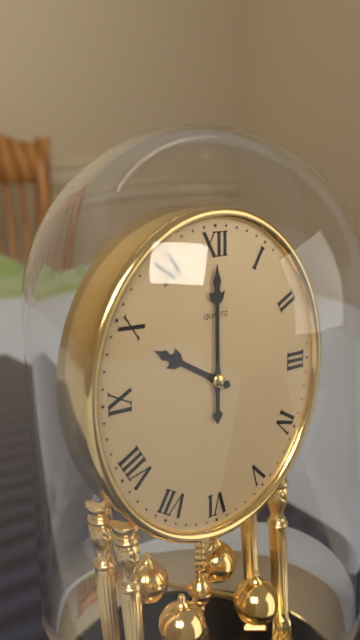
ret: {"hour": 10, "minute": 0}
